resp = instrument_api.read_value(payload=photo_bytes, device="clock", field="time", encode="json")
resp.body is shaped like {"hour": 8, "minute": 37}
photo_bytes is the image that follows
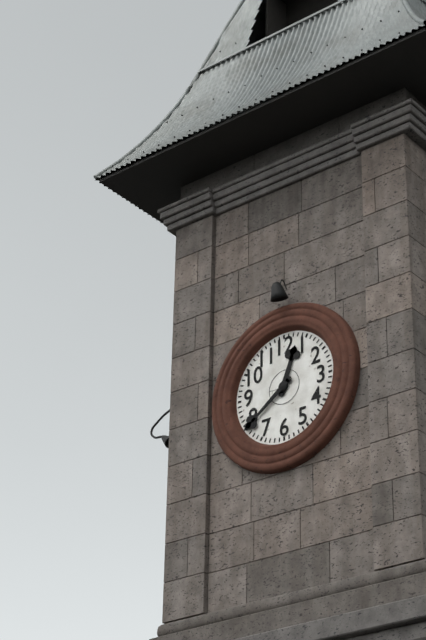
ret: {"hour": 12, "minute": 39}
